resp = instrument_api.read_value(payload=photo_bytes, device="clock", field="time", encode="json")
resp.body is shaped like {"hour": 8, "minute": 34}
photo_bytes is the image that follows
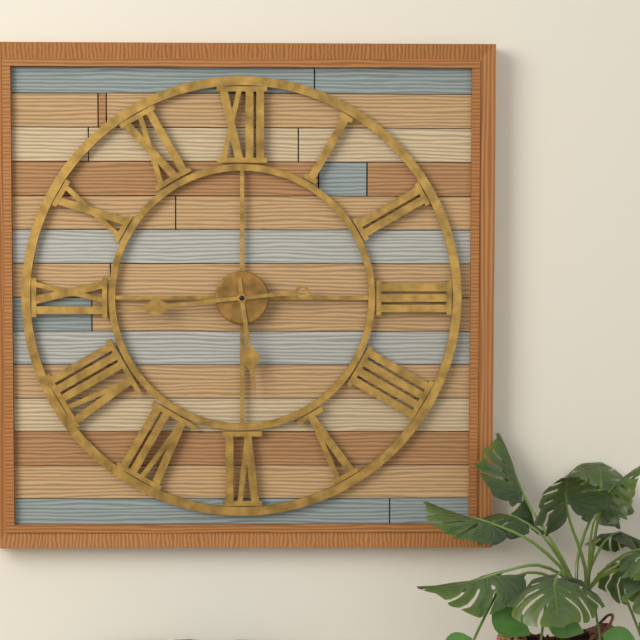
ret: {"hour": 5, "minute": 44}
